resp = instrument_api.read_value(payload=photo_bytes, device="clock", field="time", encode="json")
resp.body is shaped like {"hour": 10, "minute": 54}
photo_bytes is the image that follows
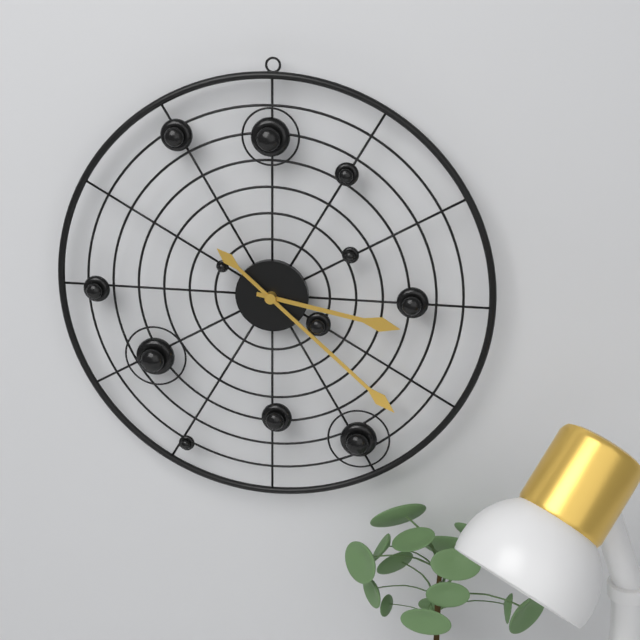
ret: {"hour": 3, "minute": 22}
